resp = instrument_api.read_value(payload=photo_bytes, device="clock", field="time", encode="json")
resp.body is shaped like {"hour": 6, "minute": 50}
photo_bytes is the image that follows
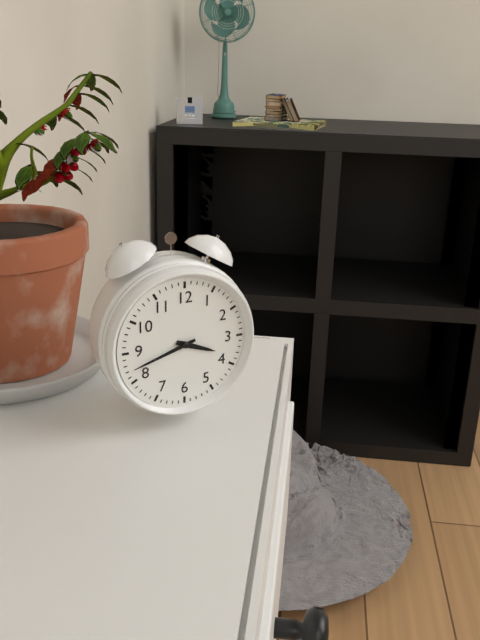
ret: {"hour": 3, "minute": 42}
